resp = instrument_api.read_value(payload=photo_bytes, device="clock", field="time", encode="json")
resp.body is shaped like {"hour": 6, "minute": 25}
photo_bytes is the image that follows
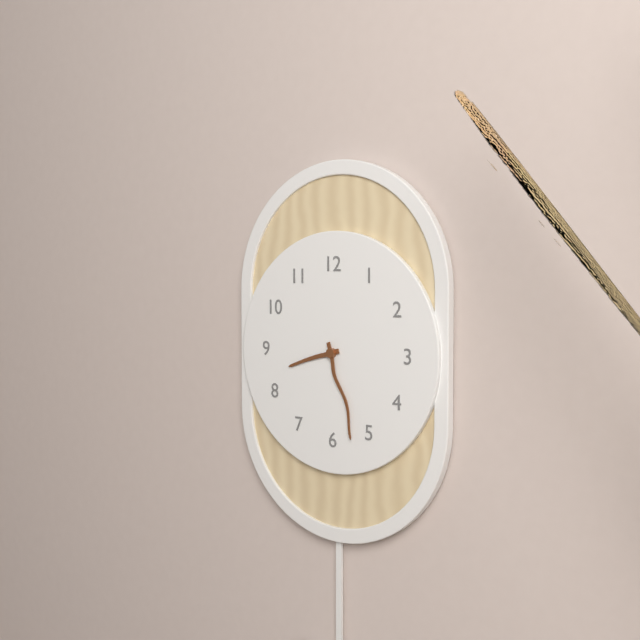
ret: {"hour": 8, "minute": 27}
